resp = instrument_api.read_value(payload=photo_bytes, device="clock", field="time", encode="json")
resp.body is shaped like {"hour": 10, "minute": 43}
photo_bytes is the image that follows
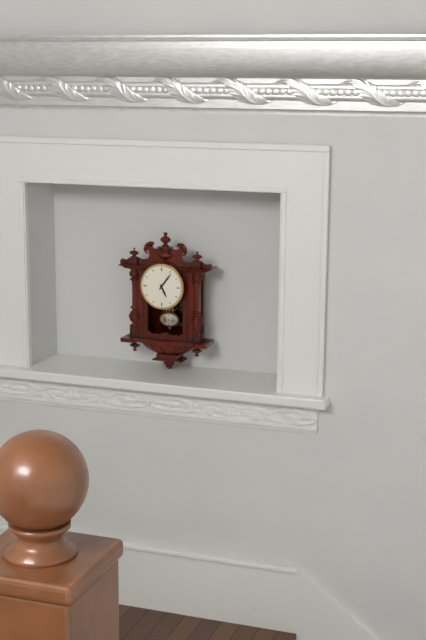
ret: {"hour": 5, "minute": 6}
